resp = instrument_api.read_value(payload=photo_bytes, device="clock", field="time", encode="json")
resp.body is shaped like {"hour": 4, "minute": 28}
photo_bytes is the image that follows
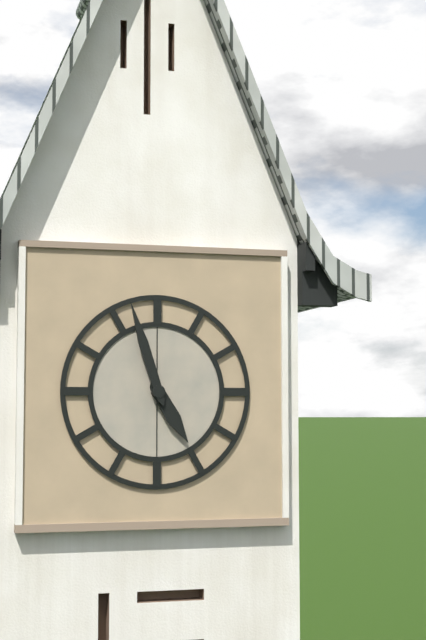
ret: {"hour": 4, "minute": 57}
